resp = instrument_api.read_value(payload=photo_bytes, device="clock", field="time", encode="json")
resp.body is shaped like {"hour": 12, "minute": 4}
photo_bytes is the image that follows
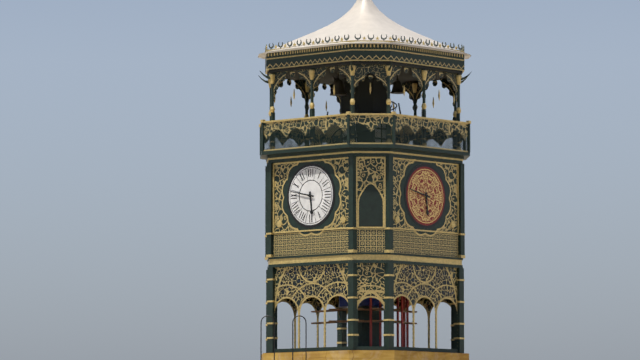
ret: {"hour": 5, "minute": 47}
